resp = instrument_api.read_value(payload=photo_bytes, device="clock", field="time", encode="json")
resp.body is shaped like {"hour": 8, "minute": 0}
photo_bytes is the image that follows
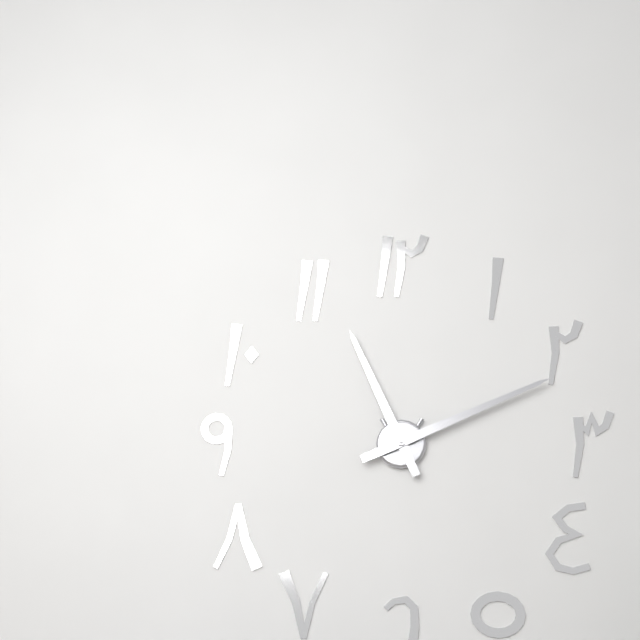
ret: {"hour": 11, "minute": 11}
